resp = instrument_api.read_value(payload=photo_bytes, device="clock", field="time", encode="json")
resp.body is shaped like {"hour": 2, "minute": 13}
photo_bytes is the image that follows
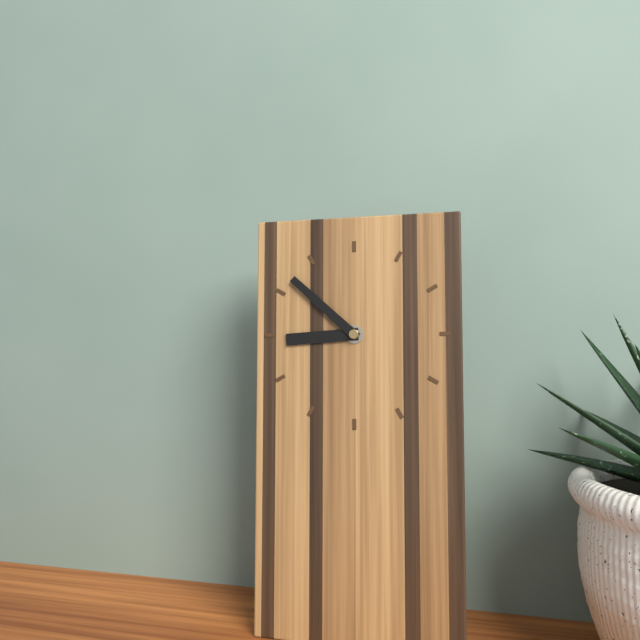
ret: {"hour": 8, "minute": 52}
